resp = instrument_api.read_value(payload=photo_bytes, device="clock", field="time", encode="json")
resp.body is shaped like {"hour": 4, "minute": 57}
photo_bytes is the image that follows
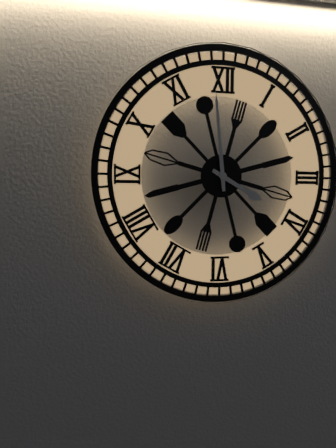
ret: {"hour": 3, "minute": 59}
